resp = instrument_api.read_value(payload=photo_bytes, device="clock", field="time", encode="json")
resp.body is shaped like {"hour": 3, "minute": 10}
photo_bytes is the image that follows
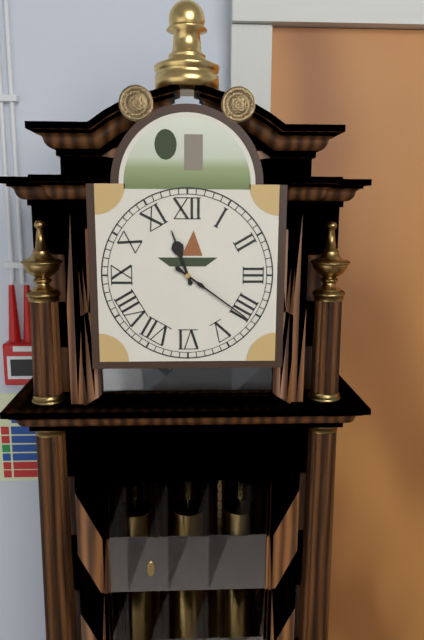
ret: {"hour": 11, "minute": 21}
